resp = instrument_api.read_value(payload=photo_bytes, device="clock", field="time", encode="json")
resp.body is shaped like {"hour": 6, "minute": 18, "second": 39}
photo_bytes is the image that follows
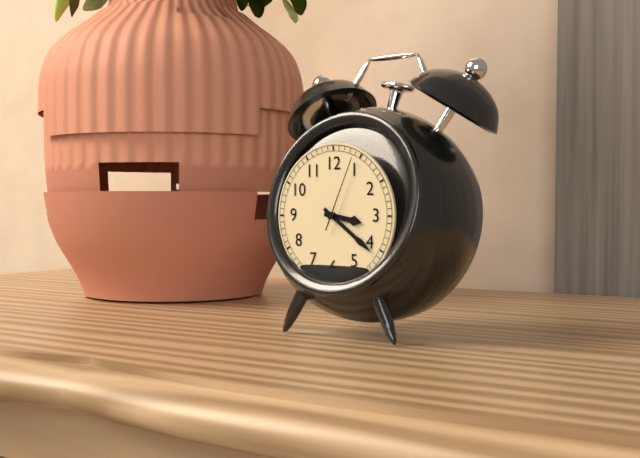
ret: {"hour": 3, "minute": 21, "second": 4}
